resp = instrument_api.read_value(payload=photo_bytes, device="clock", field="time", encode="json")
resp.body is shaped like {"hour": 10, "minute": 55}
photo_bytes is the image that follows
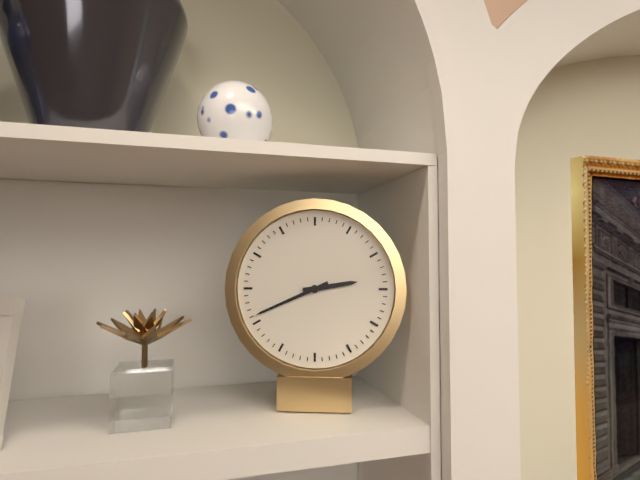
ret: {"hour": 2, "minute": 41}
